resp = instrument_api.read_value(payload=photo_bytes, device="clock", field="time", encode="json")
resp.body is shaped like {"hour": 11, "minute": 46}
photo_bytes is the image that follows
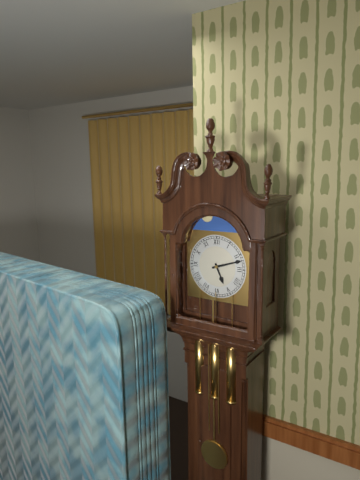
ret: {"hour": 5, "minute": 12}
